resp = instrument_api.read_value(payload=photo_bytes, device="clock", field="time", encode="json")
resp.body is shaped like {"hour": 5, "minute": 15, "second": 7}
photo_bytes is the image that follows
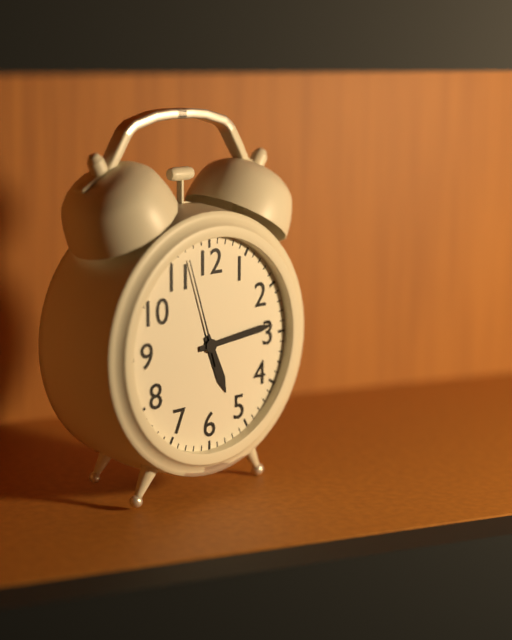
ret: {"hour": 5, "minute": 14, "second": 57}
